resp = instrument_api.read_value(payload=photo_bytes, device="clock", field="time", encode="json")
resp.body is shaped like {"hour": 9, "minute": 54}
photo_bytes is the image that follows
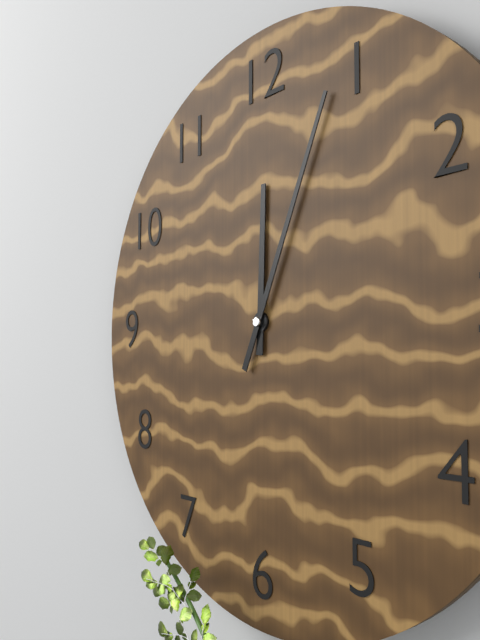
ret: {"hour": 12, "minute": 4}
